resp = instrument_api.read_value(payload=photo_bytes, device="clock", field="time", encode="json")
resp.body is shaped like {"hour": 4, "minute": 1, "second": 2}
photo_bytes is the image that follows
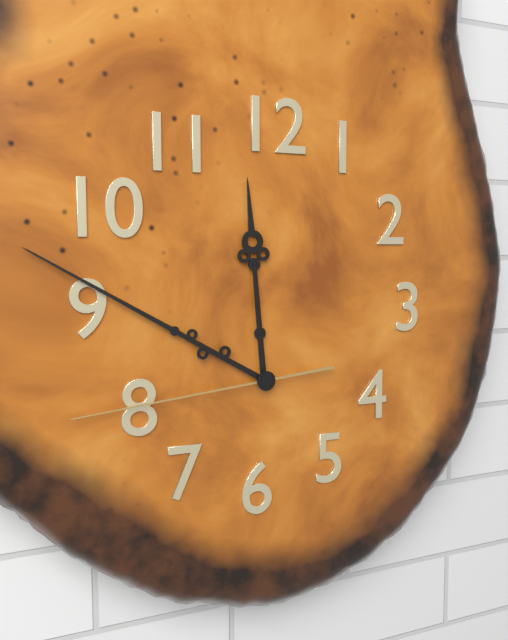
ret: {"hour": 11, "minute": 50, "second": 44}
